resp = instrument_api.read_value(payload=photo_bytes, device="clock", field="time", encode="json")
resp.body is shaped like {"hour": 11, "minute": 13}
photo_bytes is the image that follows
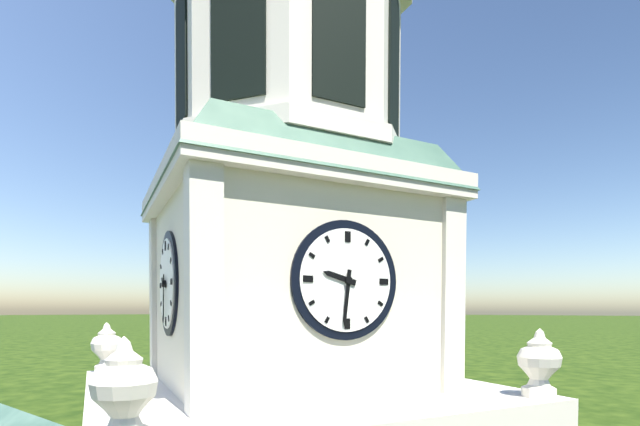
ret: {"hour": 9, "minute": 31}
